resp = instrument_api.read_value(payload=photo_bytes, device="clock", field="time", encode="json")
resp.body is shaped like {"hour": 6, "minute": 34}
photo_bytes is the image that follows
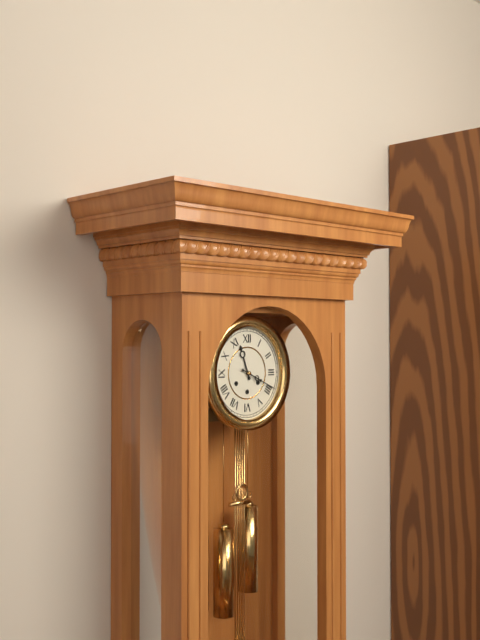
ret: {"hour": 11, "minute": 19}
